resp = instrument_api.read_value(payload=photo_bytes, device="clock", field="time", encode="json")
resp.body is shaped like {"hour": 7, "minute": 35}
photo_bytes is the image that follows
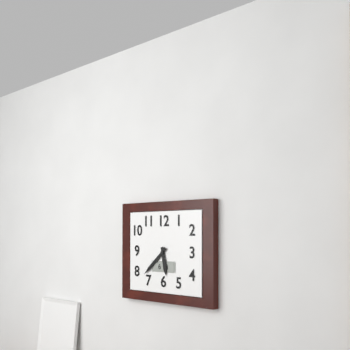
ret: {"hour": 5, "minute": 38}
